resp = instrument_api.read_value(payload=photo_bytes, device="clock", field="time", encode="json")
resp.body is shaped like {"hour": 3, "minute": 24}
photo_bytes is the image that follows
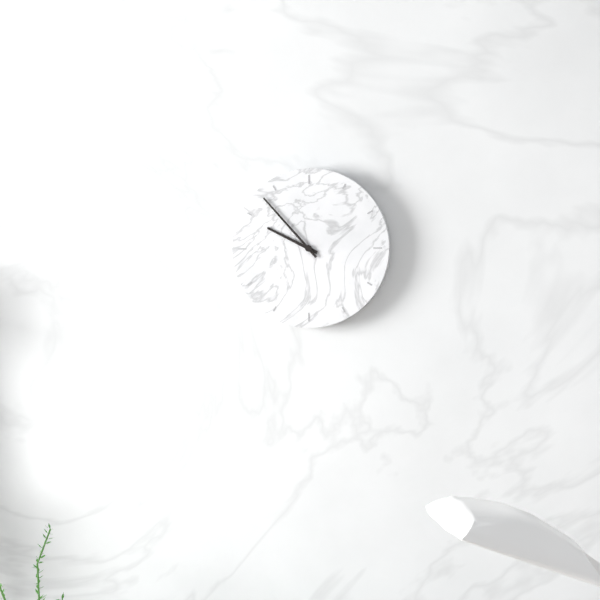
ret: {"hour": 9, "minute": 53}
